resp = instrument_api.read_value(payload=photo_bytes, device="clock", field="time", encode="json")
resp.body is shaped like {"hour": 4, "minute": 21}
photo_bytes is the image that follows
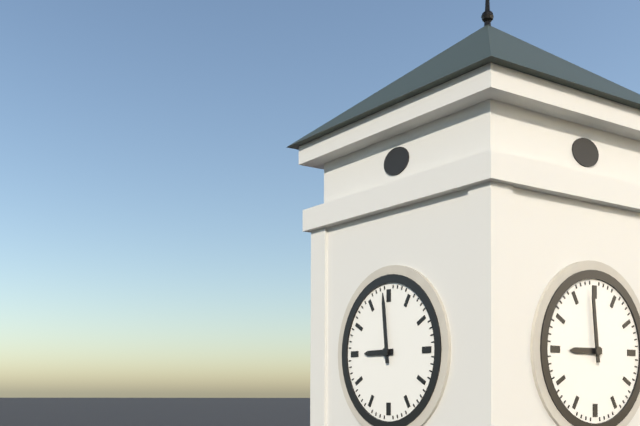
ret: {"hour": 8, "minute": 59}
